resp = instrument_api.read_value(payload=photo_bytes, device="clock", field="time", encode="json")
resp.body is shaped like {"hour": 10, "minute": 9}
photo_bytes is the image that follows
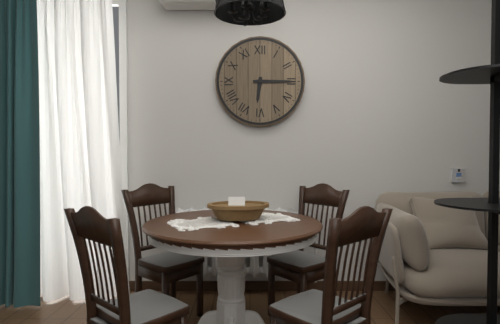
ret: {"hour": 6, "minute": 15}
